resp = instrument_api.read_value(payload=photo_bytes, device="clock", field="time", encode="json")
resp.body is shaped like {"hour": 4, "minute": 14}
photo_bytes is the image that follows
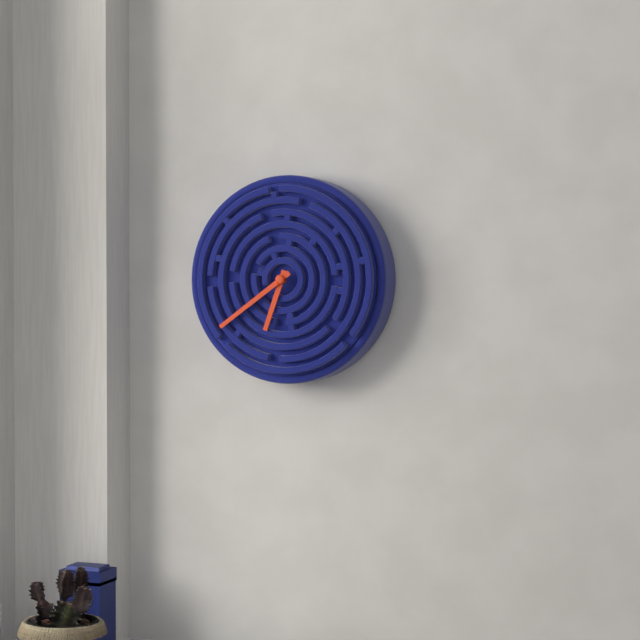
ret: {"hour": 6, "minute": 39}
